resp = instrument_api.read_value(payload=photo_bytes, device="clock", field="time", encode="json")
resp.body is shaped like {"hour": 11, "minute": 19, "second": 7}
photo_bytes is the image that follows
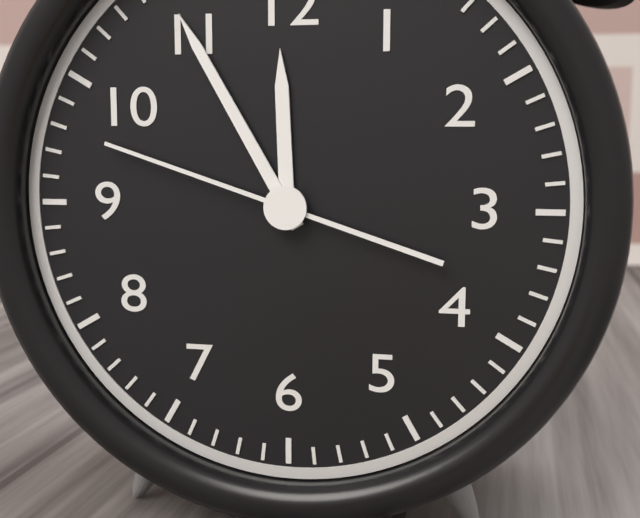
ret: {"hour": 11, "minute": 55, "second": 48}
